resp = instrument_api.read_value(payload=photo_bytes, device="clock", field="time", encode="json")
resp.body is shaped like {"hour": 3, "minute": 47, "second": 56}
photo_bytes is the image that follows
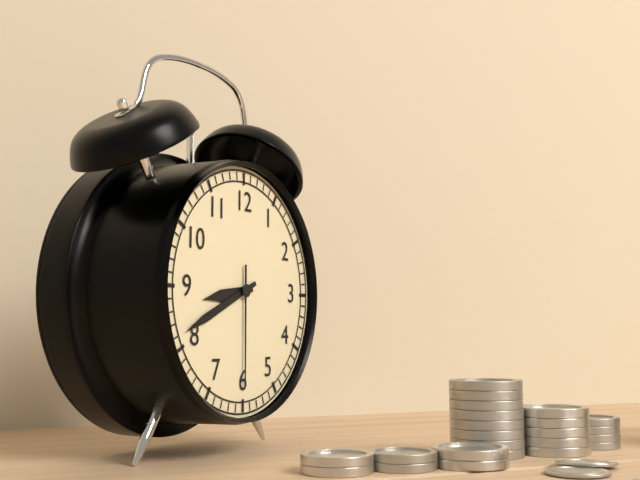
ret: {"hour": 8, "minute": 41, "second": 30}
